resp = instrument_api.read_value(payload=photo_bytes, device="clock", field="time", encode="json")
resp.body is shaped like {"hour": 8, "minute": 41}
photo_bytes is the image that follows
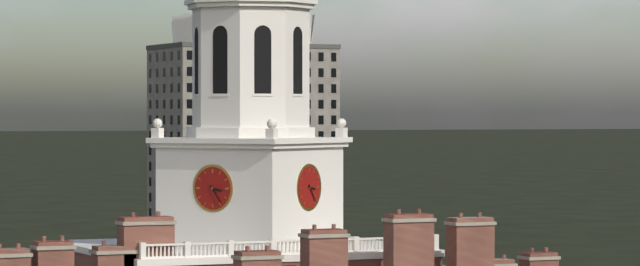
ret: {"hour": 3, "minute": 24}
